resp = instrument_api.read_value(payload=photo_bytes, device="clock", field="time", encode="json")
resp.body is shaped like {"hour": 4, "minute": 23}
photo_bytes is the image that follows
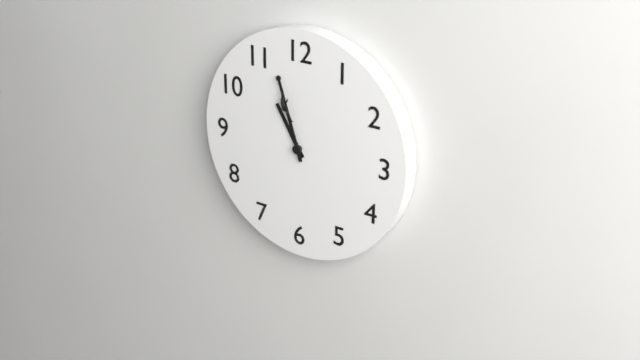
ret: {"hour": 10, "minute": 57}
